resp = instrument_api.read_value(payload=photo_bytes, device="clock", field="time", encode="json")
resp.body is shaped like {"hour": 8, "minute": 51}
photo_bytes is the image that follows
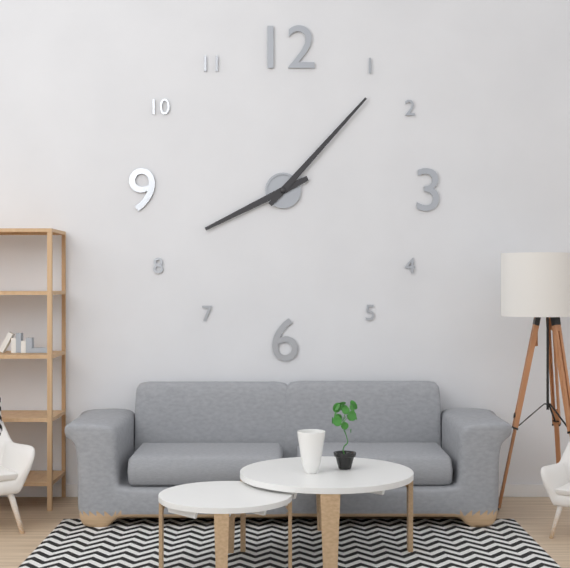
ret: {"hour": 8, "minute": 7}
